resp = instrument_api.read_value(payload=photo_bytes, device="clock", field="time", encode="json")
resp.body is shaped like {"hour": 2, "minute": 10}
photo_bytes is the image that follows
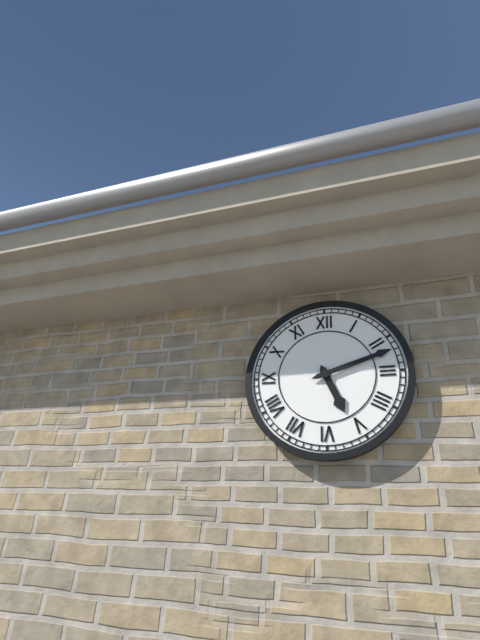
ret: {"hour": 5, "minute": 12}
